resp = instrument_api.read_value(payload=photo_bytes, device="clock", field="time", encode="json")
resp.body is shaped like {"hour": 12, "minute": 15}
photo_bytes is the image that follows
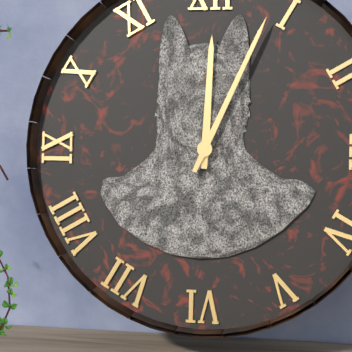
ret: {"hour": 12, "minute": 4}
